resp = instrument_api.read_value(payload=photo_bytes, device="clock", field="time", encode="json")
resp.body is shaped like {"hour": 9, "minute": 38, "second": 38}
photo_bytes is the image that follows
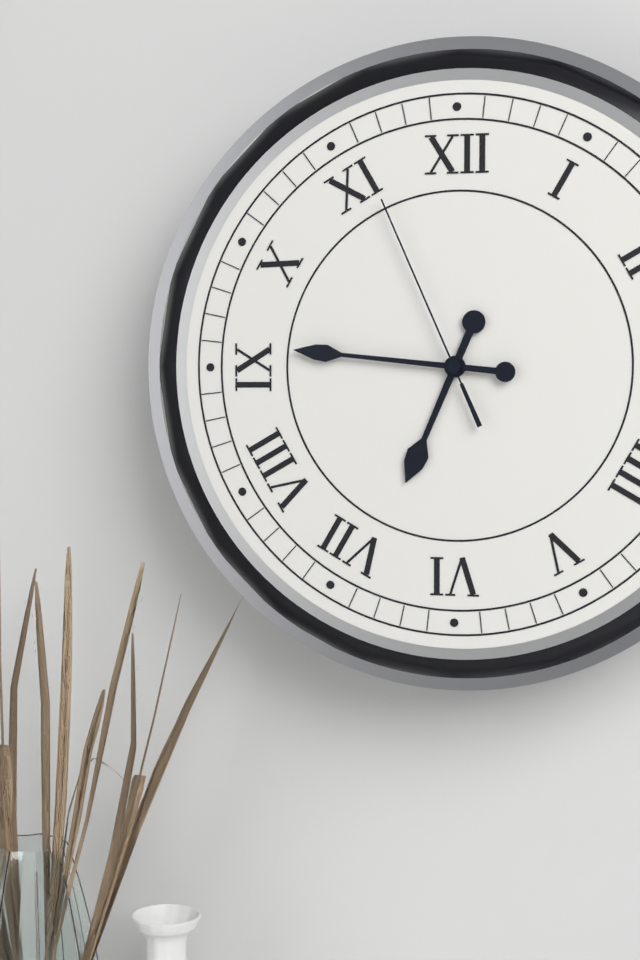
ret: {"hour": 6, "minute": 46, "second": 56}
